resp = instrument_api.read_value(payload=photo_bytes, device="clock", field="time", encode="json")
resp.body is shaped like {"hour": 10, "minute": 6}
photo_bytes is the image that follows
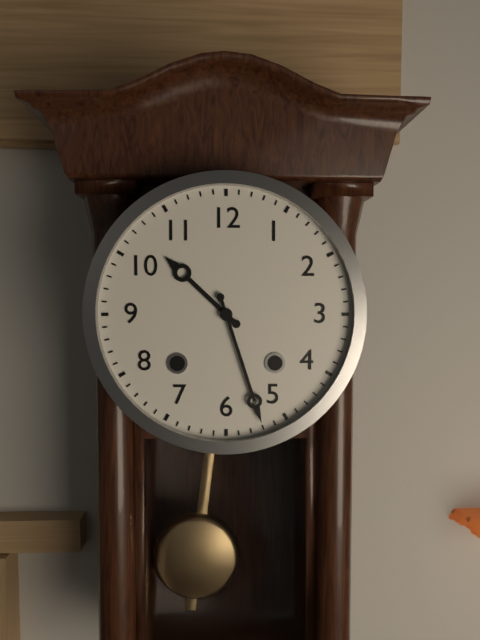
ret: {"hour": 10, "minute": 27}
